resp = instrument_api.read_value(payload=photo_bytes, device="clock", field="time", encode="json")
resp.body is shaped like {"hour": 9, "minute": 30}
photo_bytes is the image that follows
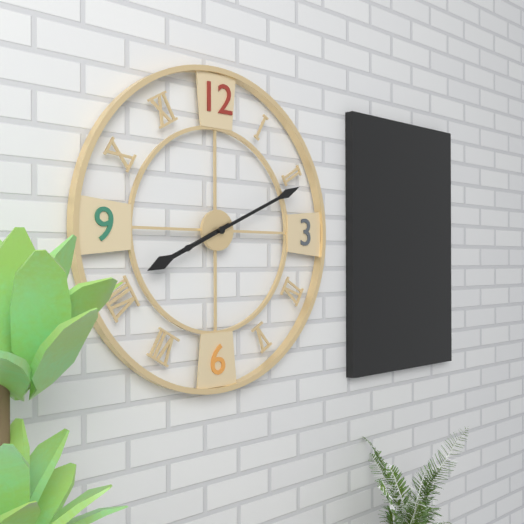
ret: {"hour": 8, "minute": 11}
